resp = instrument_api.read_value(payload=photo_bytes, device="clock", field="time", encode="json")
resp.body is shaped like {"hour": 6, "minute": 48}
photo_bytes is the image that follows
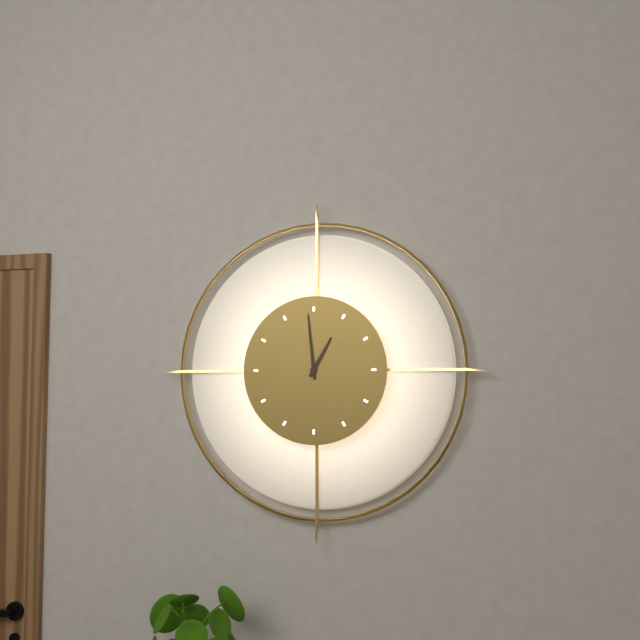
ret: {"hour": 12, "minute": 59}
